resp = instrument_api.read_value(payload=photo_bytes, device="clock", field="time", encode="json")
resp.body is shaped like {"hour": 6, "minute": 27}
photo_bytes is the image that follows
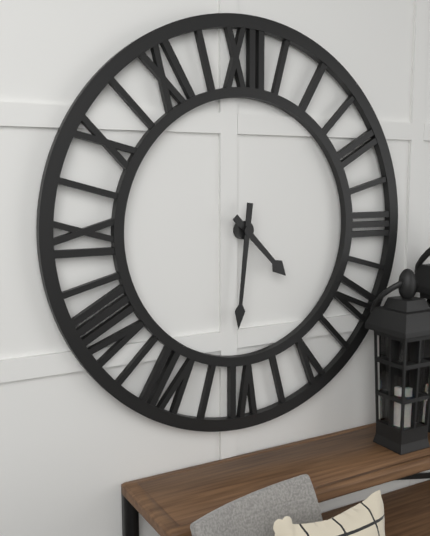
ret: {"hour": 4, "minute": 31}
